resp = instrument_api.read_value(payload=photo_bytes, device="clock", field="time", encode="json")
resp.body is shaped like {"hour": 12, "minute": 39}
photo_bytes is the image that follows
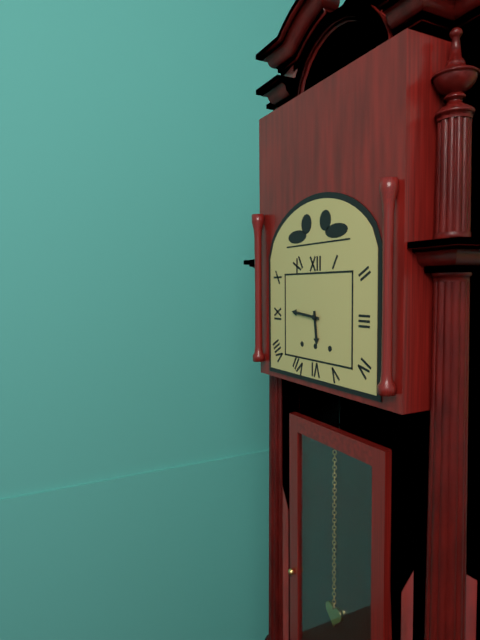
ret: {"hour": 5, "minute": 46}
